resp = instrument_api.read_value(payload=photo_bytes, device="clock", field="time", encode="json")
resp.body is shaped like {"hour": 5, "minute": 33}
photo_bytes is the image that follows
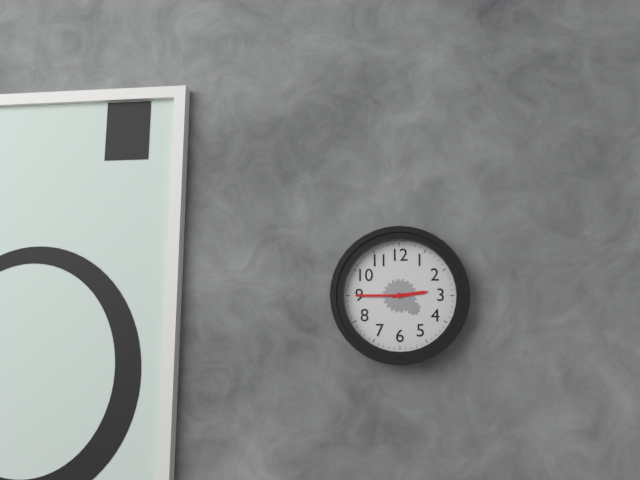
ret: {"hour": 2, "minute": 45}
